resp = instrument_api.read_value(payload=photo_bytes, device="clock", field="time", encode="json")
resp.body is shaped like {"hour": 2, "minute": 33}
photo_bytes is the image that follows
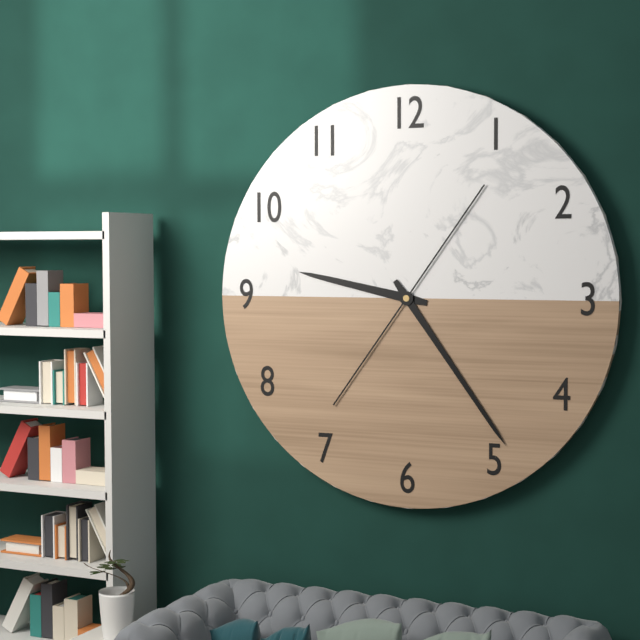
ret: {"hour": 9, "minute": 24}
